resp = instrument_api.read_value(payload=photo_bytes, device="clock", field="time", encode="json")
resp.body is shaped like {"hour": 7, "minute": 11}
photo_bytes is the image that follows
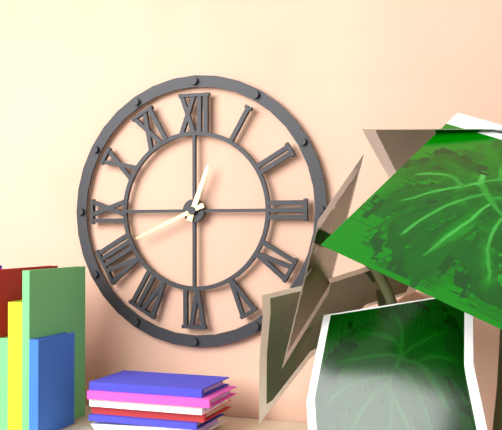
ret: {"hour": 12, "minute": 41}
